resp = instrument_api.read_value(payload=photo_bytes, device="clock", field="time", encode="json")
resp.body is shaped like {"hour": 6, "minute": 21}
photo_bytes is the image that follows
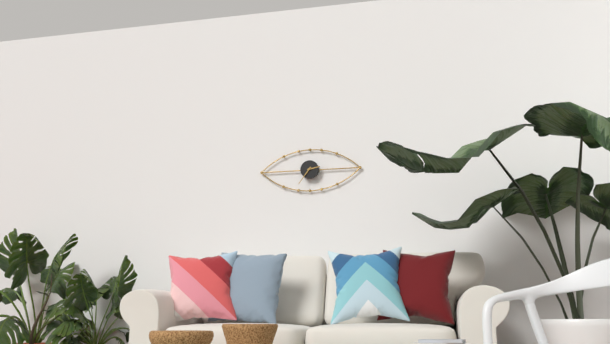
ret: {"hour": 2, "minute": 36}
